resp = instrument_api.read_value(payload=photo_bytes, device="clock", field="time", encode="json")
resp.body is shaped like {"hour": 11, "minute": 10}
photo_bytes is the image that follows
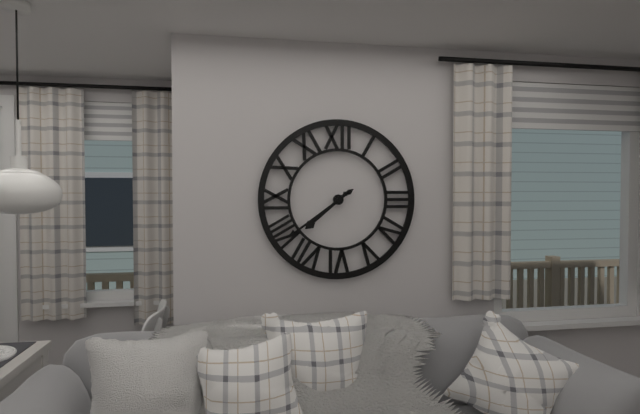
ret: {"hour": 7, "minute": 39}
